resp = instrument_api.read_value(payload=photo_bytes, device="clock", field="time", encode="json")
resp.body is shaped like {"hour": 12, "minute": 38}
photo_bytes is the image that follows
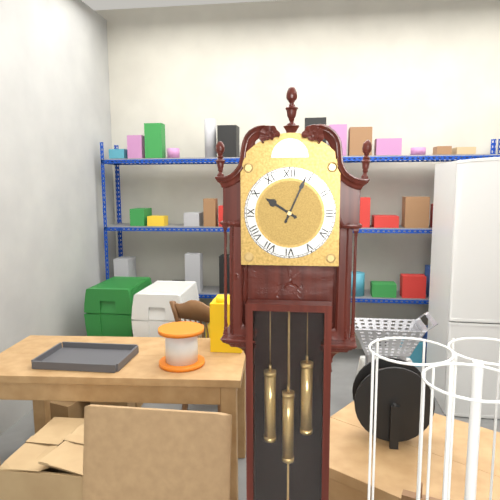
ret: {"hour": 10, "minute": 4}
